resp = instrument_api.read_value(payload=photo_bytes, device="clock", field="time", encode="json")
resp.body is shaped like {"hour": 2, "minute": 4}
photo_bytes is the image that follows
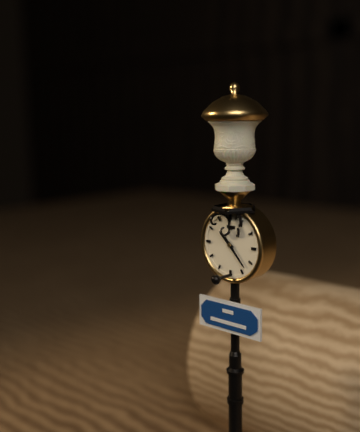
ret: {"hour": 10, "minute": 23}
